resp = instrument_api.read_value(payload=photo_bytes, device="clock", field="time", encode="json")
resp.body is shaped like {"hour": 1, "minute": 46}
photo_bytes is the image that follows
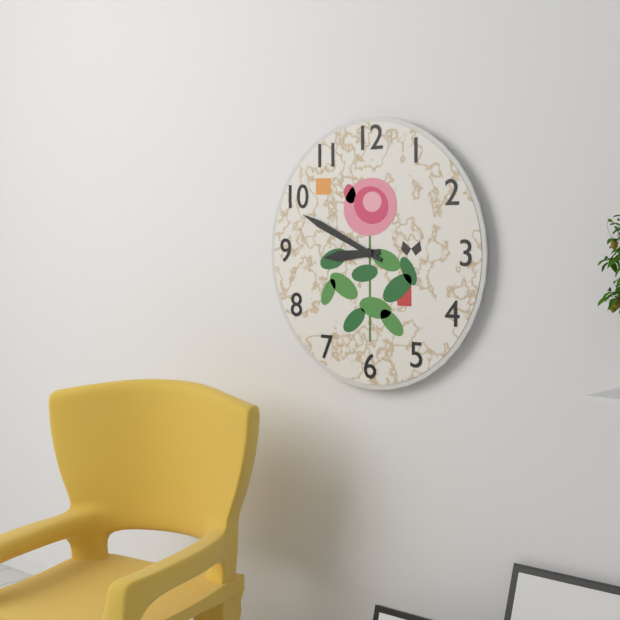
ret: {"hour": 8, "minute": 49}
